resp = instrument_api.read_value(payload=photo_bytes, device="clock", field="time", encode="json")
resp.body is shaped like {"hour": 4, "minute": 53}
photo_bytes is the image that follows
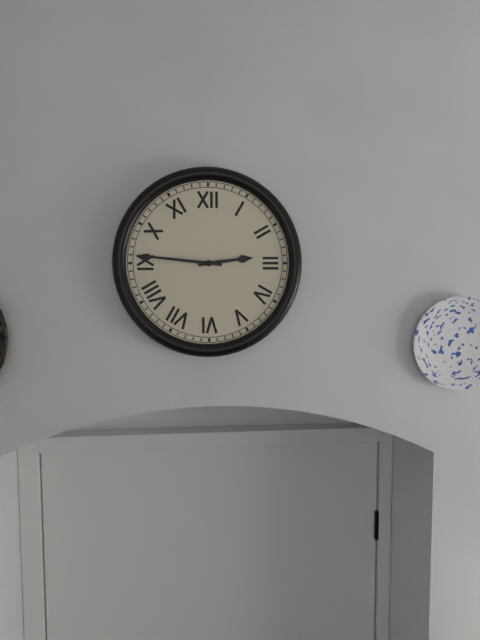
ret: {"hour": 2, "minute": 46}
